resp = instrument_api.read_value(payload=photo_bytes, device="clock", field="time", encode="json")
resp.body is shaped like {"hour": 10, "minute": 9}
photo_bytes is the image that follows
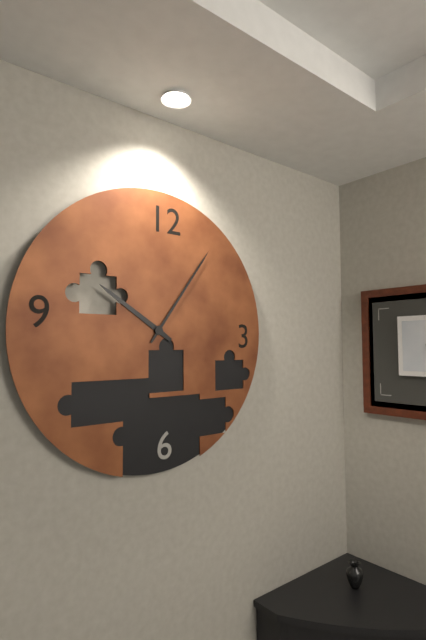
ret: {"hour": 10, "minute": 6}
